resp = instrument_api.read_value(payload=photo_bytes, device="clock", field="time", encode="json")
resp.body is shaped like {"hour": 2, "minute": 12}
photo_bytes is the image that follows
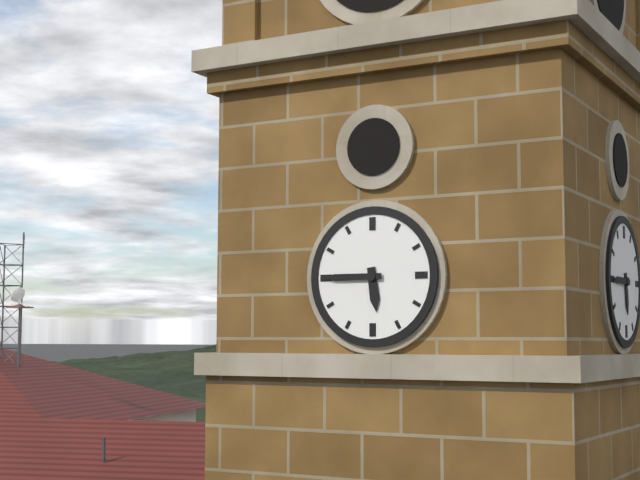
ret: {"hour": 5, "minute": 45}
